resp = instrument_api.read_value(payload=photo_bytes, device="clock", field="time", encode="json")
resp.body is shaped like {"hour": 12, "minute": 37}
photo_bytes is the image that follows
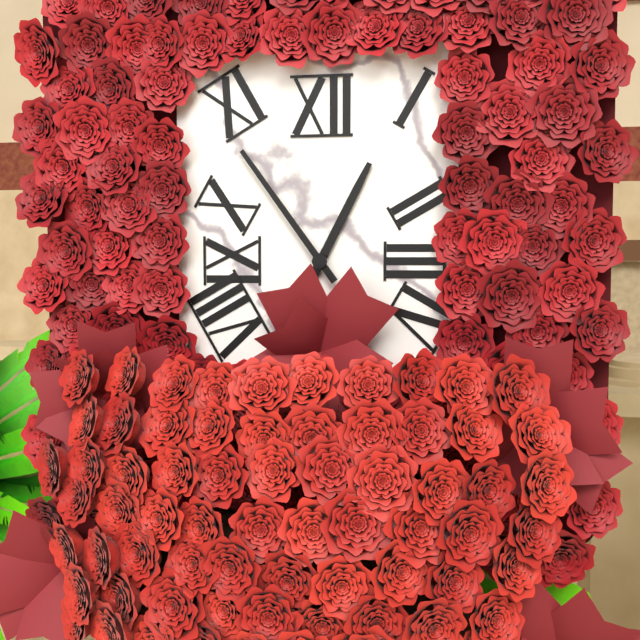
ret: {"hour": 12, "minute": 54}
